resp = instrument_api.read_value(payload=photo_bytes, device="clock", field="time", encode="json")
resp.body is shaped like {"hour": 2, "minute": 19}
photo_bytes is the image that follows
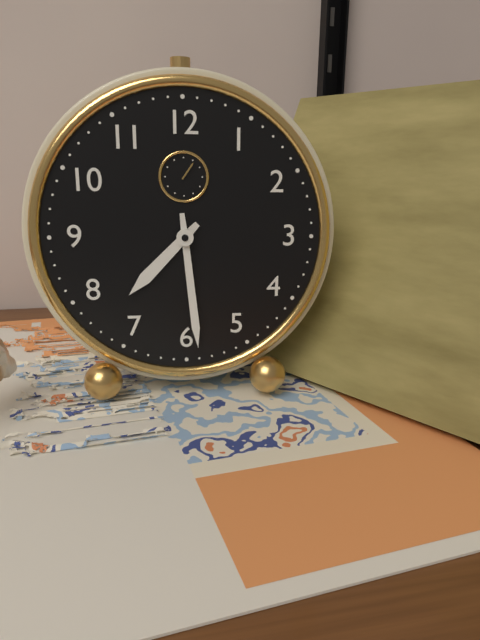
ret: {"hour": 7, "minute": 29}
